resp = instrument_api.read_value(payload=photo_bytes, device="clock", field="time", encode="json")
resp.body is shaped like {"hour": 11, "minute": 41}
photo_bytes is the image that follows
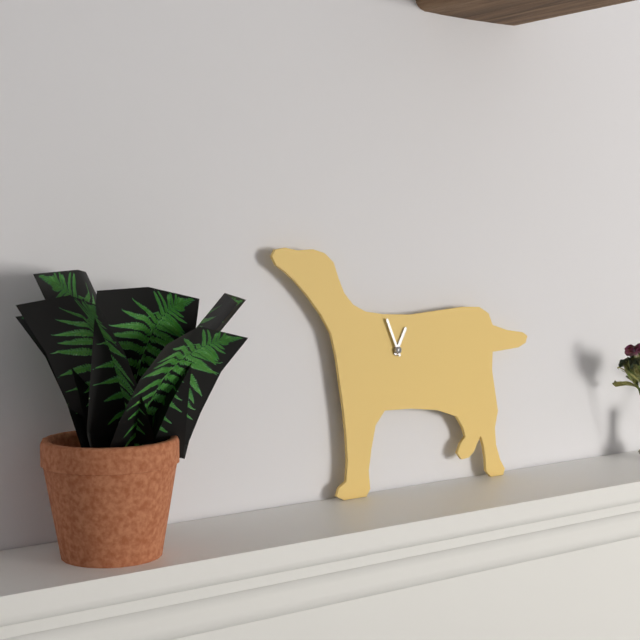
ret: {"hour": 12, "minute": 56}
